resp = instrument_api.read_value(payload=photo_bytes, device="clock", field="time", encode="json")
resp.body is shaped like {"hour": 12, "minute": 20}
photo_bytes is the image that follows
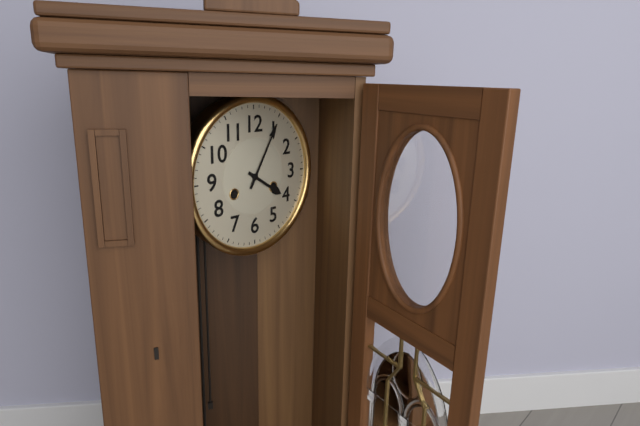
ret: {"hour": 4, "minute": 5}
